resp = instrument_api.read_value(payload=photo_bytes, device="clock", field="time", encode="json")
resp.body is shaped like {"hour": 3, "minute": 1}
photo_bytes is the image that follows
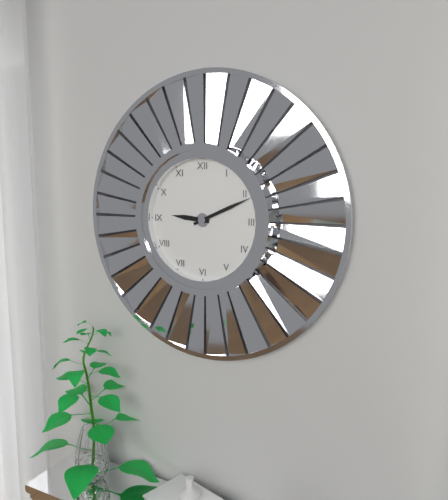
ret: {"hour": 9, "minute": 11}
